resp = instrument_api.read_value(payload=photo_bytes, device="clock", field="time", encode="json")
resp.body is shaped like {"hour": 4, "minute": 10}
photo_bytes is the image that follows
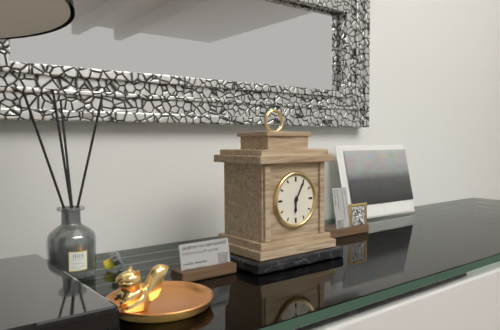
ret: {"hour": 6, "minute": 5}
